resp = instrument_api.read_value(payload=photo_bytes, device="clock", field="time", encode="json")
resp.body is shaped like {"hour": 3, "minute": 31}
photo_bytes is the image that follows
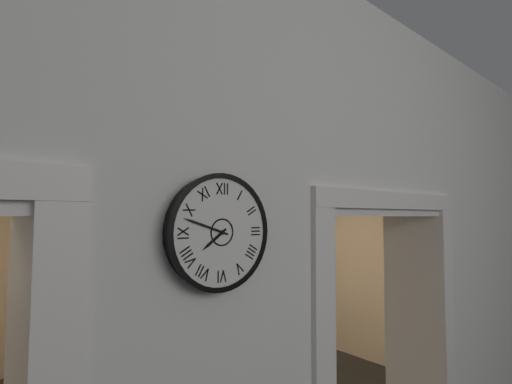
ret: {"hour": 7, "minute": 48}
